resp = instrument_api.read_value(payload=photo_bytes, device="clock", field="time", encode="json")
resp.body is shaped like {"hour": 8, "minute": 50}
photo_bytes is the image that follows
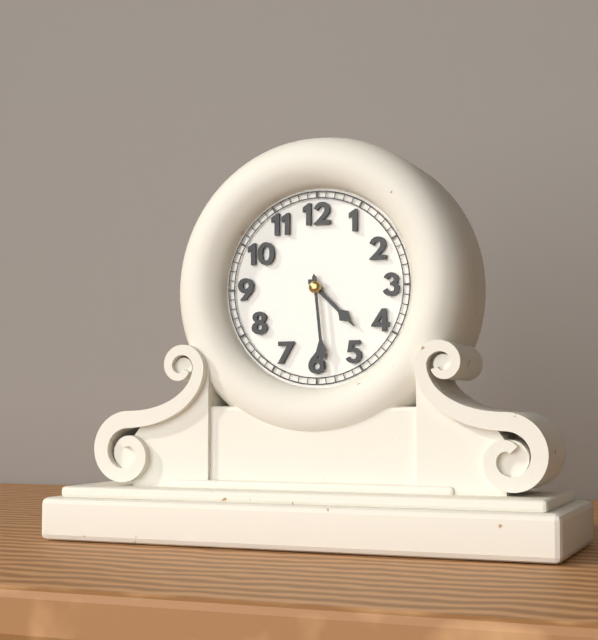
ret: {"hour": 4, "minute": 29}
